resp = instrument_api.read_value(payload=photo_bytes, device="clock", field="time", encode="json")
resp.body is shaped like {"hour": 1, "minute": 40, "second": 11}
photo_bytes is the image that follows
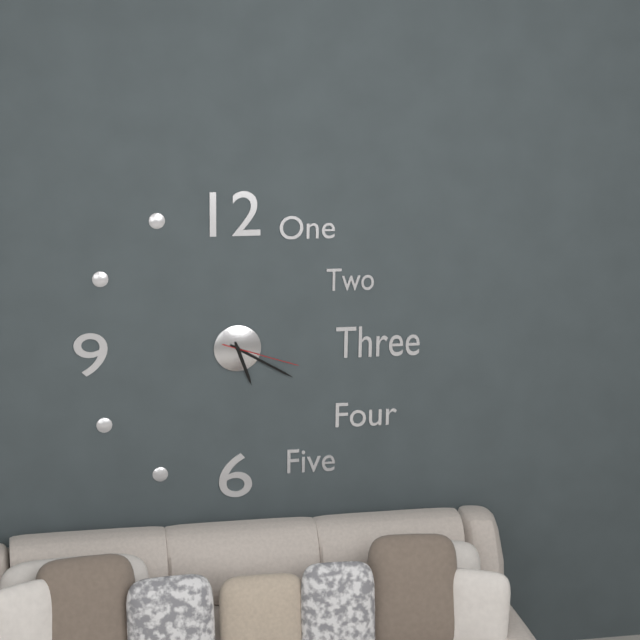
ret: {"hour": 5, "minute": 20, "second": 18}
